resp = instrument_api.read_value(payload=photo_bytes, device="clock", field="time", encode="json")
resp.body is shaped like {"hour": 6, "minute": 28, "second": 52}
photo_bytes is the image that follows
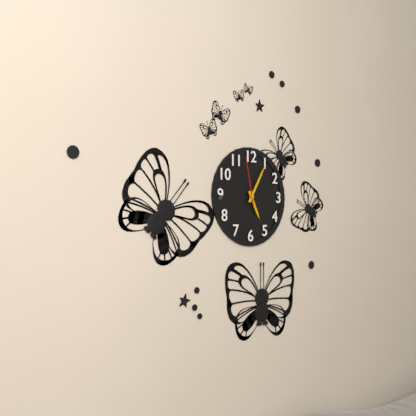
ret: {"hour": 5, "minute": 5, "second": 58}
